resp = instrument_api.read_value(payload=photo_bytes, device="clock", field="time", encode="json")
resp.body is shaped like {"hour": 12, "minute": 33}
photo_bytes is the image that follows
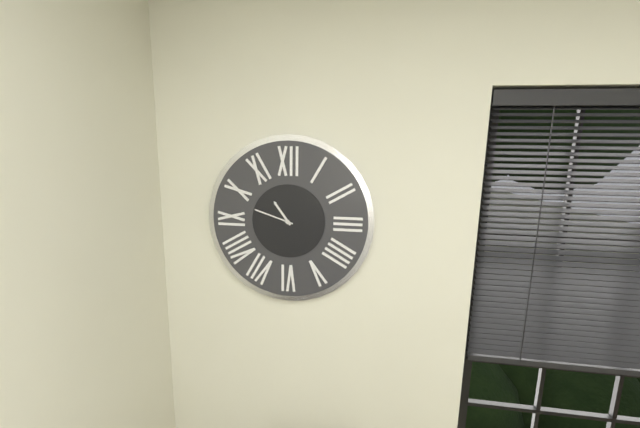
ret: {"hour": 10, "minute": 48}
